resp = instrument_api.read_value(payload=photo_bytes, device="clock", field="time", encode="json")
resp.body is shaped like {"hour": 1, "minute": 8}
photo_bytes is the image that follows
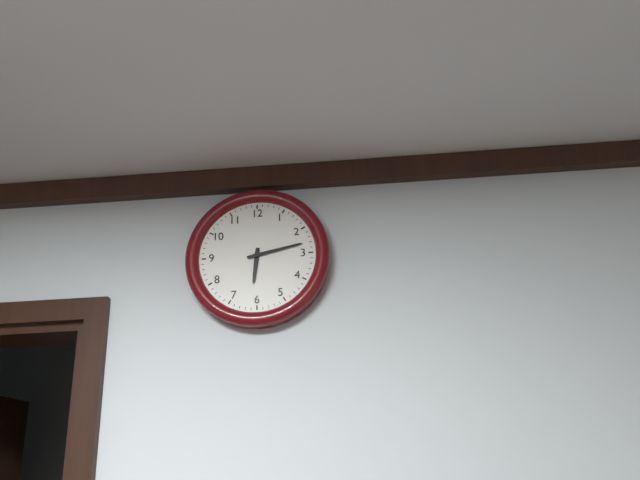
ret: {"hour": 6, "minute": 13}
